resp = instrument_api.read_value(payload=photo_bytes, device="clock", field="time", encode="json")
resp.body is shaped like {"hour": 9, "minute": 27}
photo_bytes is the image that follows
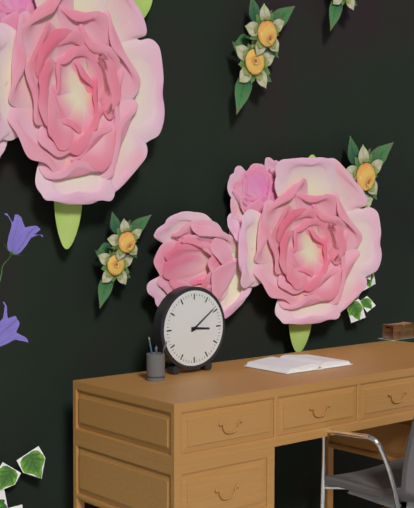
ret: {"hour": 3, "minute": 9}
